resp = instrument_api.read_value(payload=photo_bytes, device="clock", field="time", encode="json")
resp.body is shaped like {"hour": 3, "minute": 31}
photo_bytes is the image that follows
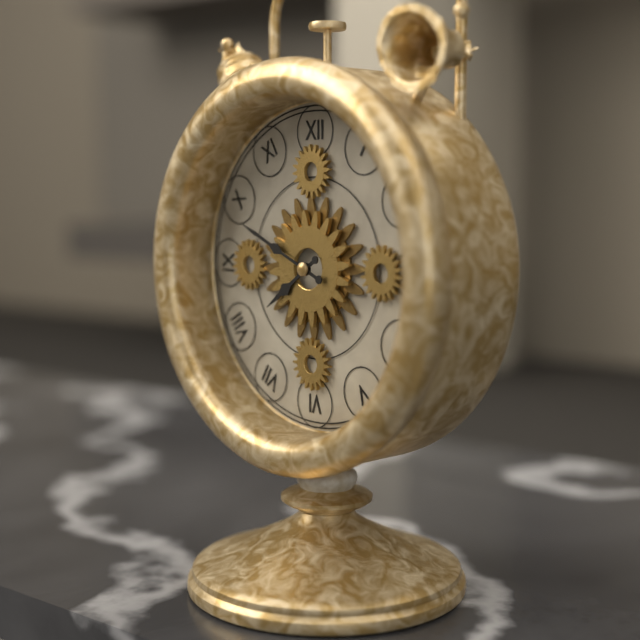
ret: {"hour": 7, "minute": 49}
